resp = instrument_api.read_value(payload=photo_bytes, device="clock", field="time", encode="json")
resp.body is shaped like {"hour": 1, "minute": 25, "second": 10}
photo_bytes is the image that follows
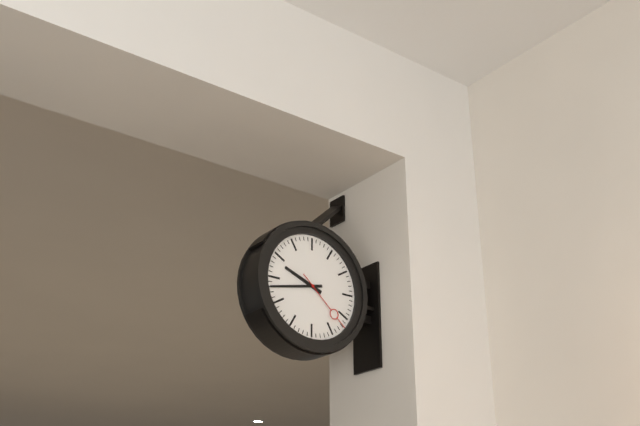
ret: {"hour": 9, "minute": 43, "second": 22}
